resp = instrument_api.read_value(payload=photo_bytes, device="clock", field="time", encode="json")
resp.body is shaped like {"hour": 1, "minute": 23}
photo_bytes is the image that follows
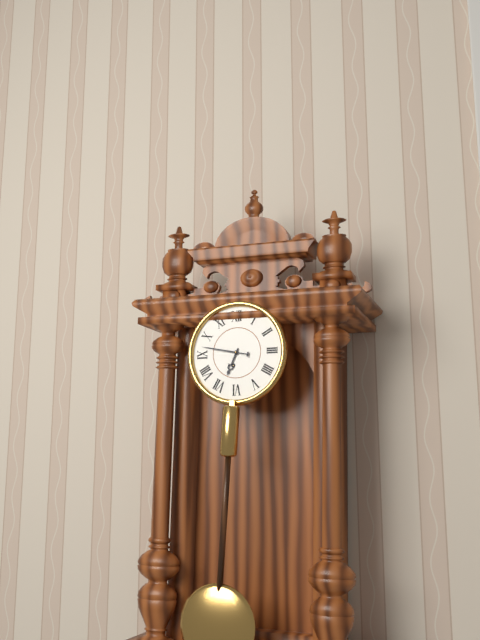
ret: {"hour": 6, "minute": 47}
